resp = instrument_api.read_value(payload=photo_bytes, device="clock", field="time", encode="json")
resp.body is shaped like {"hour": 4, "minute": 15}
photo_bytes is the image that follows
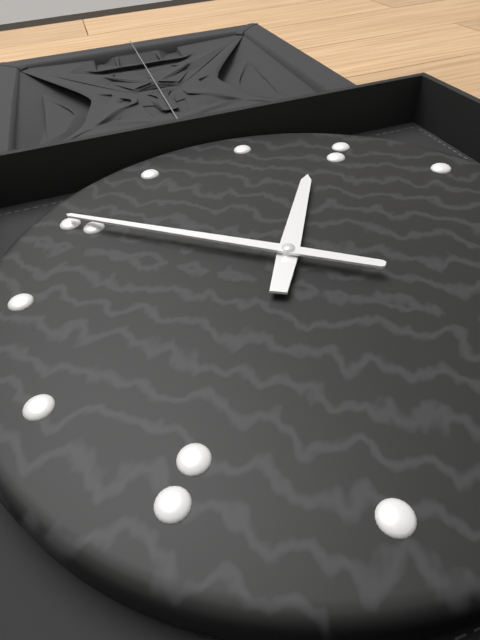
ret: {"hour": 11, "minute": 45}
